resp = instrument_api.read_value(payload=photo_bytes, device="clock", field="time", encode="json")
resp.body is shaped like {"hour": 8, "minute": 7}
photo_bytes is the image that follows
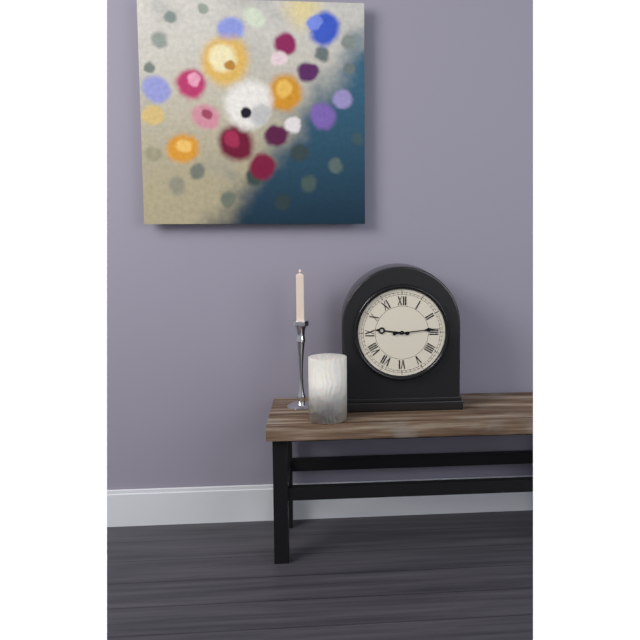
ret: {"hour": 9, "minute": 14}
